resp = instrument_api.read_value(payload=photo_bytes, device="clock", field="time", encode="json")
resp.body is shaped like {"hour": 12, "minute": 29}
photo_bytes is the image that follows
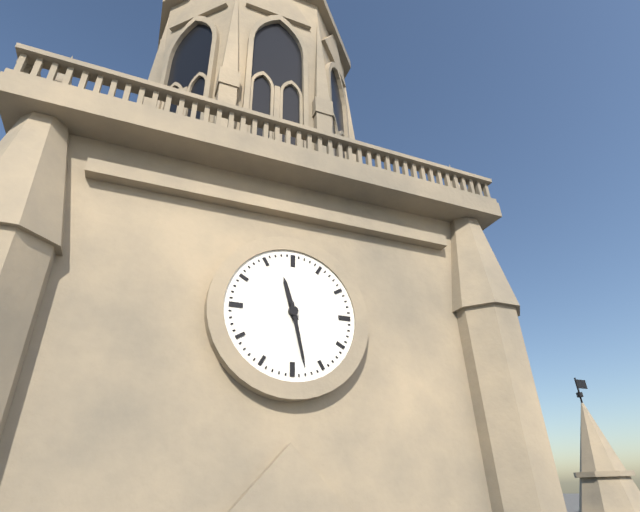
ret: {"hour": 11, "minute": 28}
